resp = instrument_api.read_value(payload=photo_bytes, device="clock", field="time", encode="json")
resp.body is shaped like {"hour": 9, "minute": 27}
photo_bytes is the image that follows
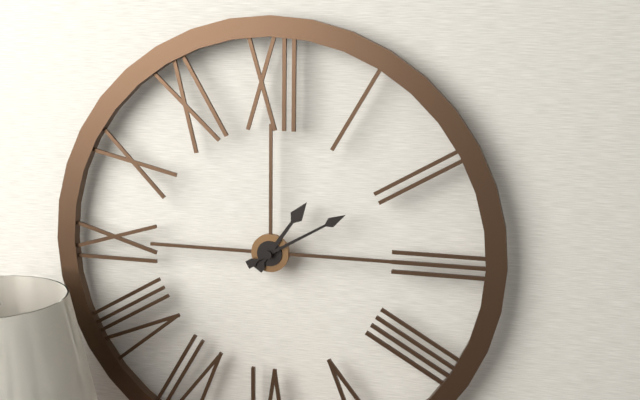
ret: {"hour": 1, "minute": 10}
